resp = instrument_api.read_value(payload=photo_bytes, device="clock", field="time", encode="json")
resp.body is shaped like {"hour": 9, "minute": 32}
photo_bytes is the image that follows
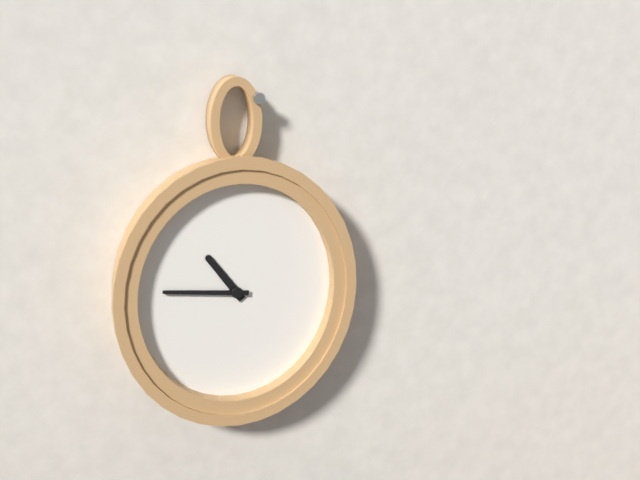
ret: {"hour": 10, "minute": 46}
